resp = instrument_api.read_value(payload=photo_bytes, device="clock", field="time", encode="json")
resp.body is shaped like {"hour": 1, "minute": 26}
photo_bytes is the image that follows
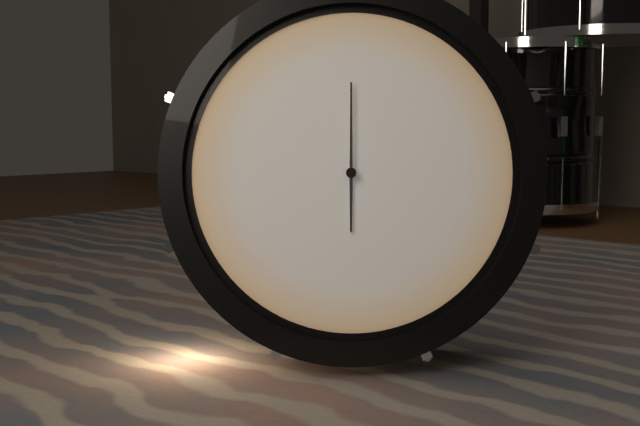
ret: {"hour": 6, "minute": 0}
